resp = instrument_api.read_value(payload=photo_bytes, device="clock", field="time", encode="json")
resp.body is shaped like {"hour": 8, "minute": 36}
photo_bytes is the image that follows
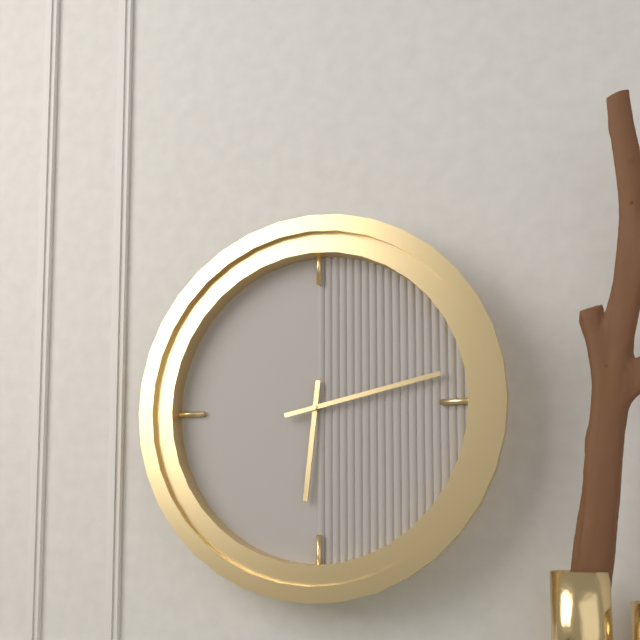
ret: {"hour": 6, "minute": 13}
